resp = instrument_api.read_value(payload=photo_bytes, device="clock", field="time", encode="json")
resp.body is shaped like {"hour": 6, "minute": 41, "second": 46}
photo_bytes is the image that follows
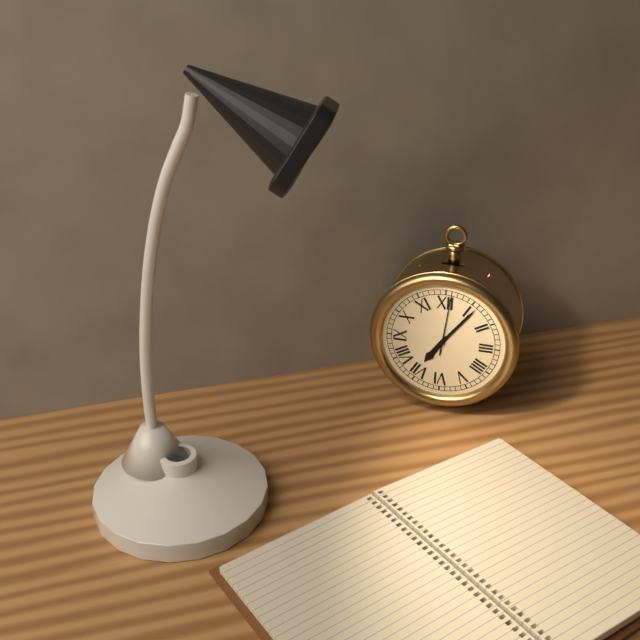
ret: {"hour": 7, "minute": 6, "second": 1}
